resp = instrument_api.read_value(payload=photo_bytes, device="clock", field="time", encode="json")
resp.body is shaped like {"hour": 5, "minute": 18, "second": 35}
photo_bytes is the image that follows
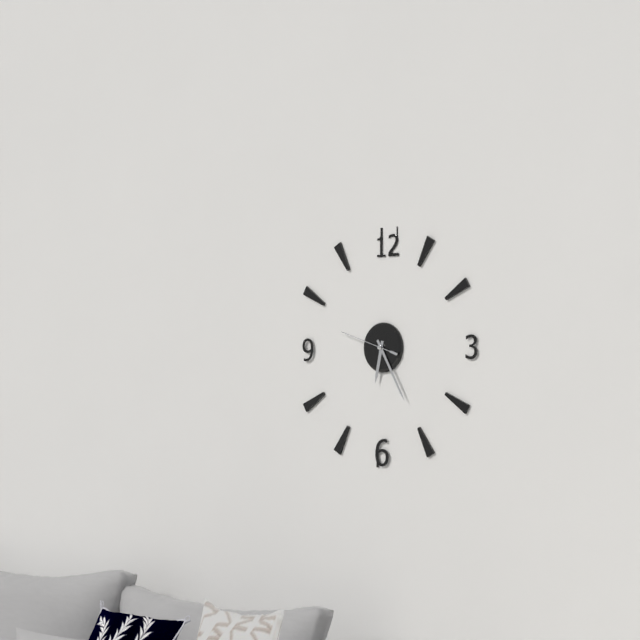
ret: {"hour": 6, "minute": 25, "second": 48}
